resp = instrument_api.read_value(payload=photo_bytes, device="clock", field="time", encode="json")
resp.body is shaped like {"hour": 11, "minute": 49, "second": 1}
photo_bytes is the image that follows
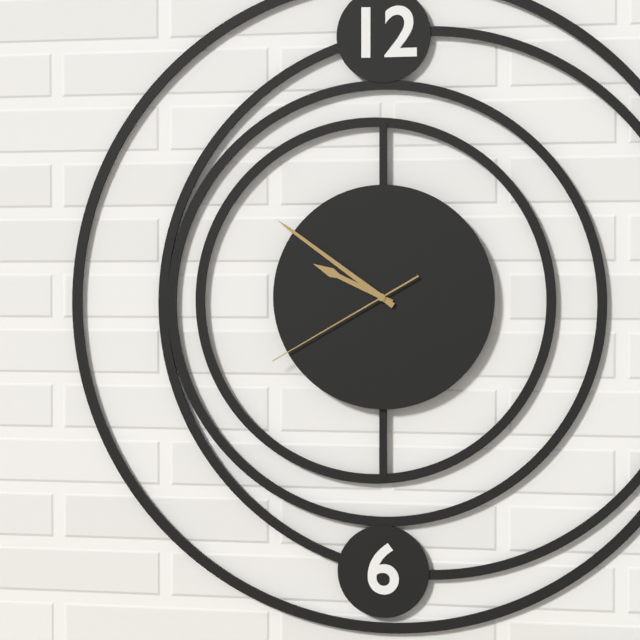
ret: {"hour": 9, "minute": 51, "second": 40}
